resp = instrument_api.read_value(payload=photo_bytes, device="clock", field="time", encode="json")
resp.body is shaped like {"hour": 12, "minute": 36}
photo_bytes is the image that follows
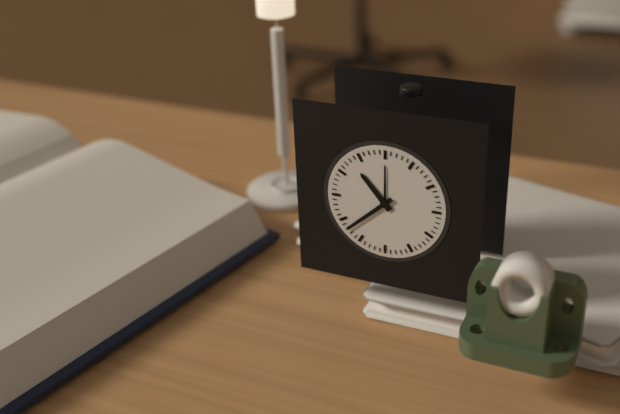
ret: {"hour": 10, "minute": 38}
